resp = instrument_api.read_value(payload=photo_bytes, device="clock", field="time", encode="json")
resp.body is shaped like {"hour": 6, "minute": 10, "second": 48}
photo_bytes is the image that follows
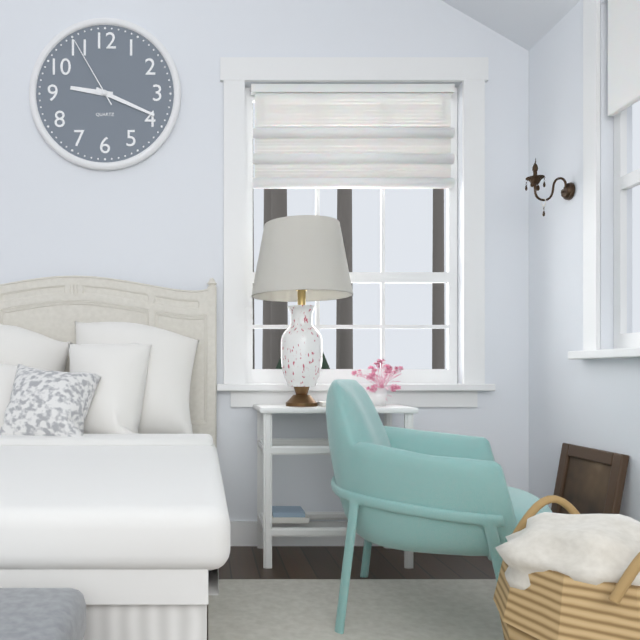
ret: {"hour": 9, "minute": 19, "second": 55}
